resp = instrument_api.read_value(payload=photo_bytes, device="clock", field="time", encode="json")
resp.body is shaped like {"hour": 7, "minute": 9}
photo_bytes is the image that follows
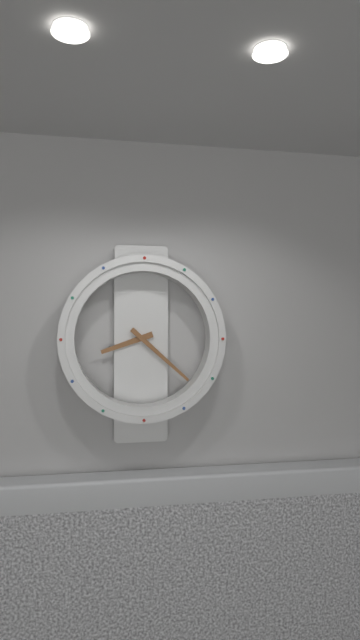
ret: {"hour": 8, "minute": 22}
